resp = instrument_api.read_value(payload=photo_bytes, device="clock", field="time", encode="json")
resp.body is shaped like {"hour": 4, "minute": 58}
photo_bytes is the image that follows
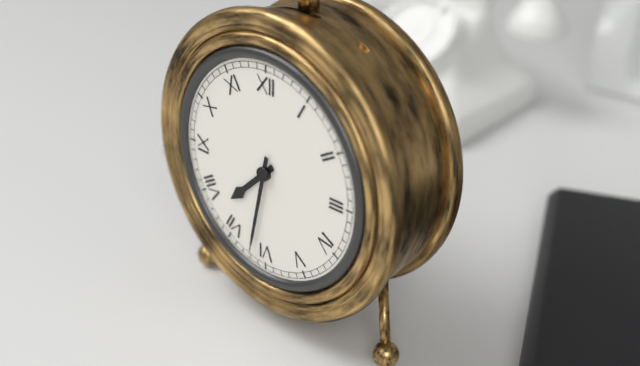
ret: {"hour": 7, "minute": 32}
